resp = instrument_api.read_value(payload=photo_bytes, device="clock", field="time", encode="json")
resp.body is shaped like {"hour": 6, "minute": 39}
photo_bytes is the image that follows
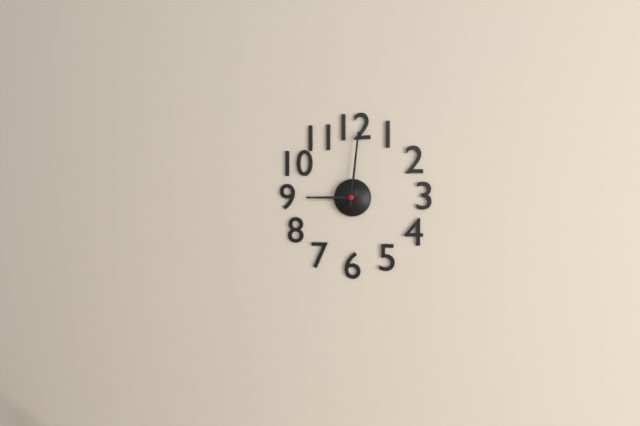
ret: {"hour": 9, "minute": 1}
